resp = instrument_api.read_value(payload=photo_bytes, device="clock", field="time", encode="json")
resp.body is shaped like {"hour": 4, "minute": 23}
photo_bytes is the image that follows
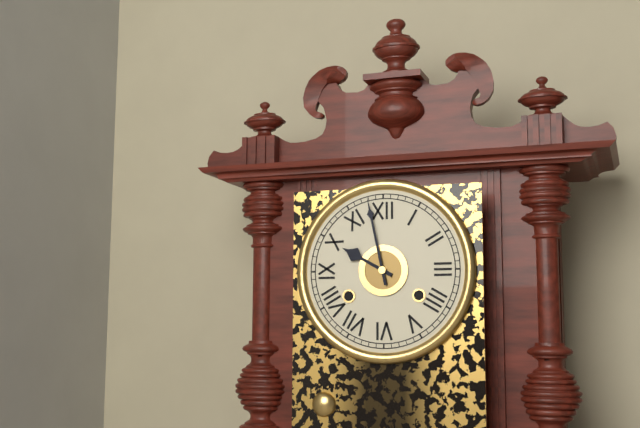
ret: {"hour": 9, "minute": 58}
